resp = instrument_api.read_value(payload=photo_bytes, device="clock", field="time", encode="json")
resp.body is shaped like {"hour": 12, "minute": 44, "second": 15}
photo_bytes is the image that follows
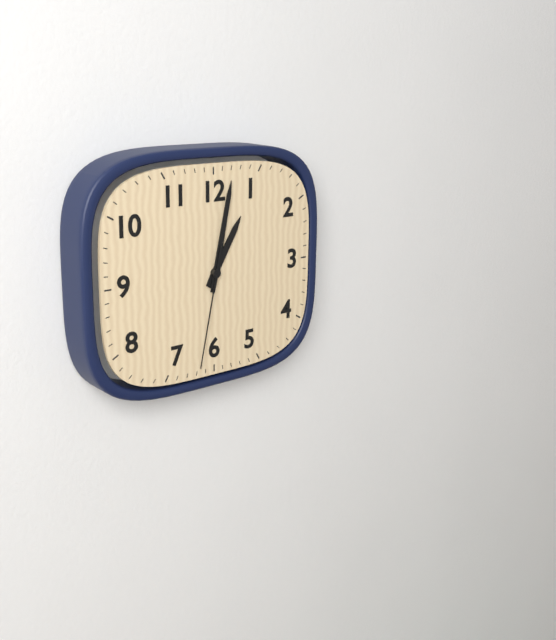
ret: {"hour": 1, "minute": 2, "second": 32}
